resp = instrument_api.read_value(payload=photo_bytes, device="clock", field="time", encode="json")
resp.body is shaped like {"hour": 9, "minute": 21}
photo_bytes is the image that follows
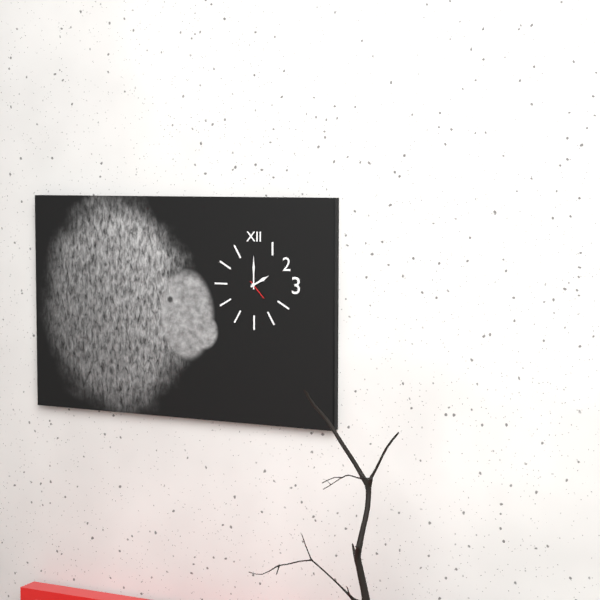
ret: {"hour": 2, "minute": 0}
